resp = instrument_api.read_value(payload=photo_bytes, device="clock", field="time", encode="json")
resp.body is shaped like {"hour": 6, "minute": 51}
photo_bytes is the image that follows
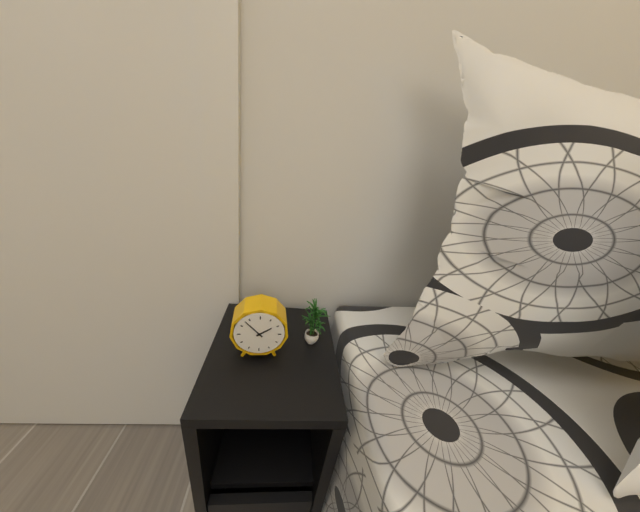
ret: {"hour": 1, "minute": 53}
